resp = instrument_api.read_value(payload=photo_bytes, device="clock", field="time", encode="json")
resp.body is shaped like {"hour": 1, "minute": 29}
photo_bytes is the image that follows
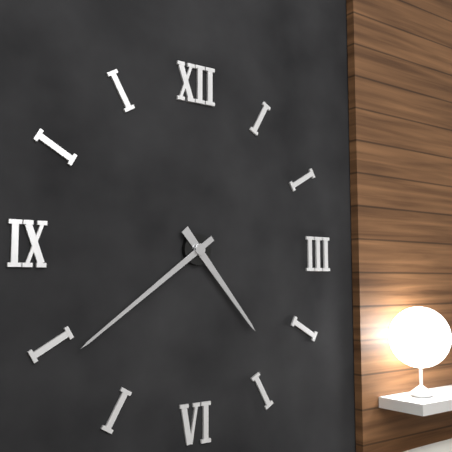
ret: {"hour": 4, "minute": 39}
